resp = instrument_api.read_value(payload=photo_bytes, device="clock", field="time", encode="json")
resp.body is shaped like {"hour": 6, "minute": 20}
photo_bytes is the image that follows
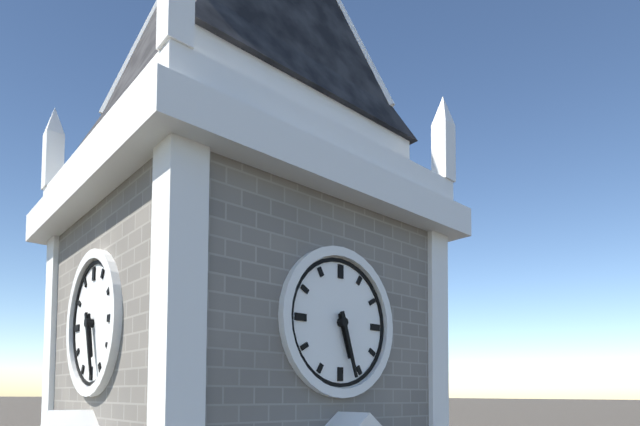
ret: {"hour": 5, "minute": 27}
